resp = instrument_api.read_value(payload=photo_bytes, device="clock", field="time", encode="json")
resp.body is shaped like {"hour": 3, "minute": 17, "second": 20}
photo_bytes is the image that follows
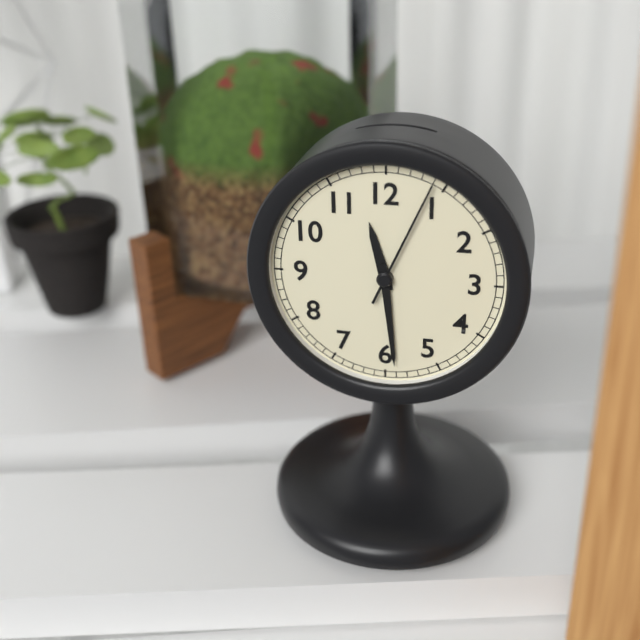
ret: {"hour": 11, "minute": 29, "second": 4}
